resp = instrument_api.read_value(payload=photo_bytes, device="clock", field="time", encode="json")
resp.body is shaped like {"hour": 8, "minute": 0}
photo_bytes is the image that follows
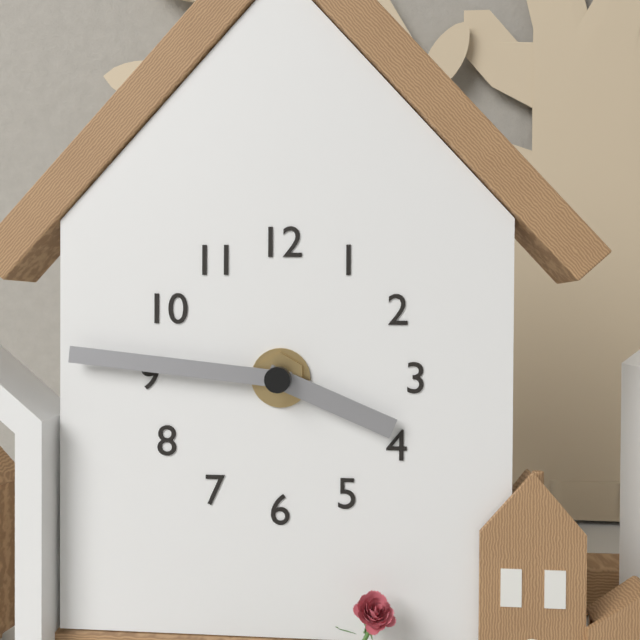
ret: {"hour": 3, "minute": 46}
